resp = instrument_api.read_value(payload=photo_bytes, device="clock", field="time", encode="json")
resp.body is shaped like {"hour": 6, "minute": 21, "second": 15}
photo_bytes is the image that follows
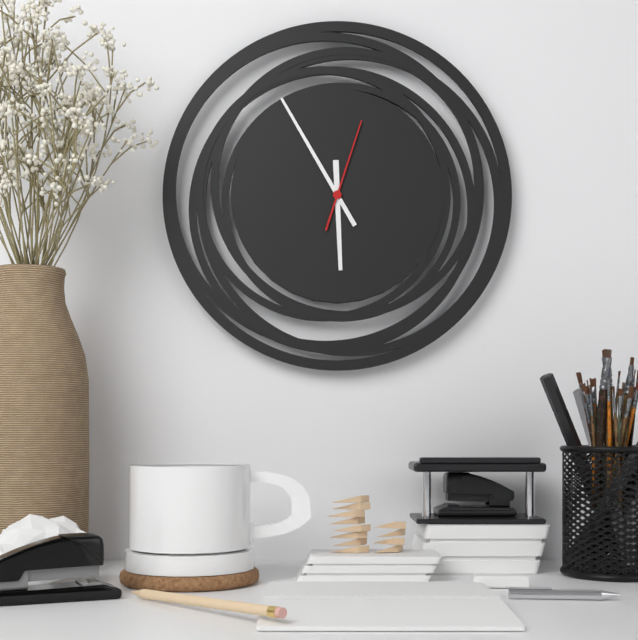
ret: {"hour": 5, "minute": 55, "second": 3}
